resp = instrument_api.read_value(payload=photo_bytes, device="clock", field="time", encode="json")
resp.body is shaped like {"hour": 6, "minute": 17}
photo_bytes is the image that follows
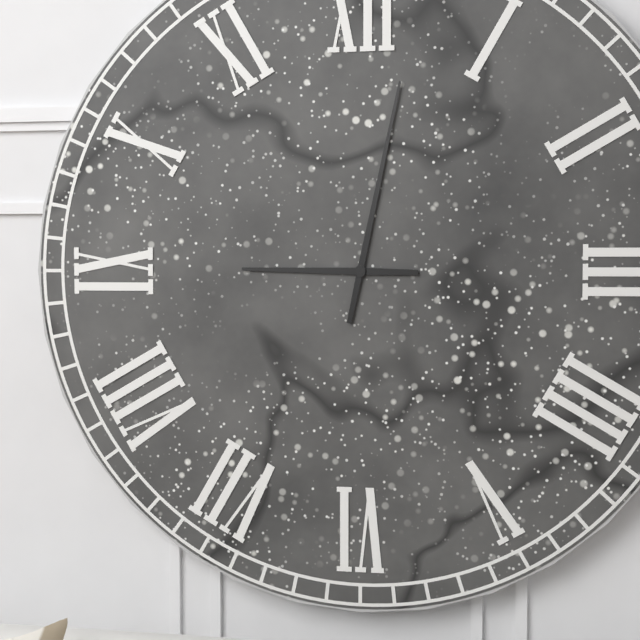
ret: {"hour": 9, "minute": 2}
